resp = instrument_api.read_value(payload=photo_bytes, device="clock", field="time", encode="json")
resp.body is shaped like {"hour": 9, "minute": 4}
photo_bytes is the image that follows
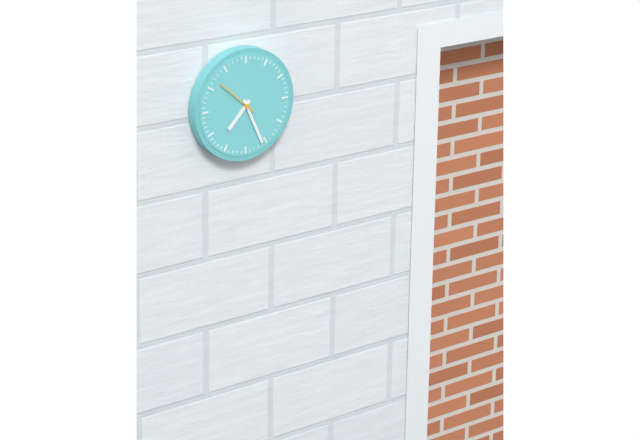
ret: {"hour": 7, "minute": 26}
